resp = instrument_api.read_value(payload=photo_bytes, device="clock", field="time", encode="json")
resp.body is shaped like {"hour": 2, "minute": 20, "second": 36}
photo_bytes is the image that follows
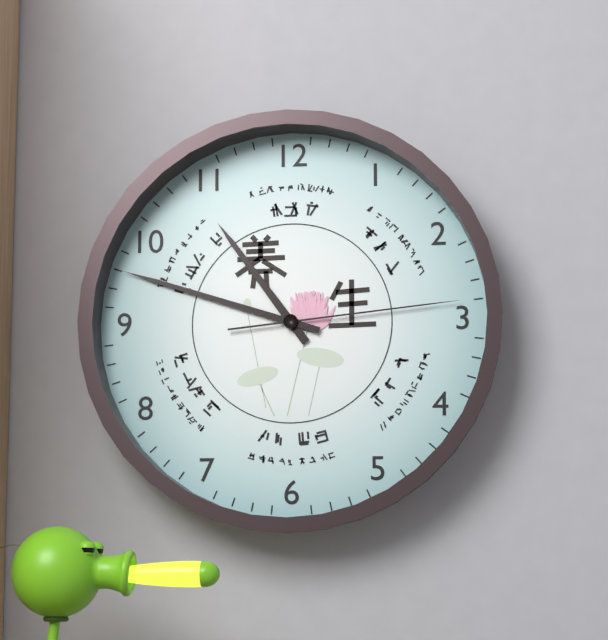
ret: {"hour": 10, "minute": 48, "second": 14}
